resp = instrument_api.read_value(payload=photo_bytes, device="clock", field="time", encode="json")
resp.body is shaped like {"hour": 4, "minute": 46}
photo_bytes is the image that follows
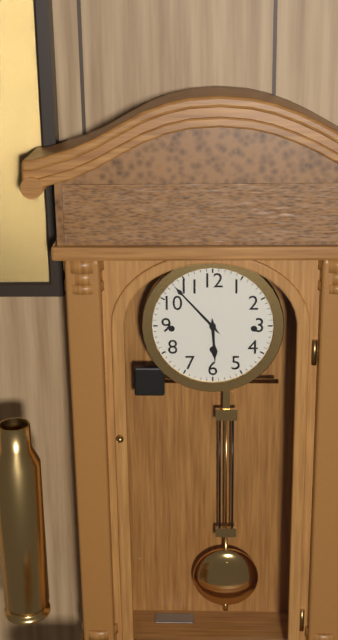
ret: {"hour": 5, "minute": 53}
